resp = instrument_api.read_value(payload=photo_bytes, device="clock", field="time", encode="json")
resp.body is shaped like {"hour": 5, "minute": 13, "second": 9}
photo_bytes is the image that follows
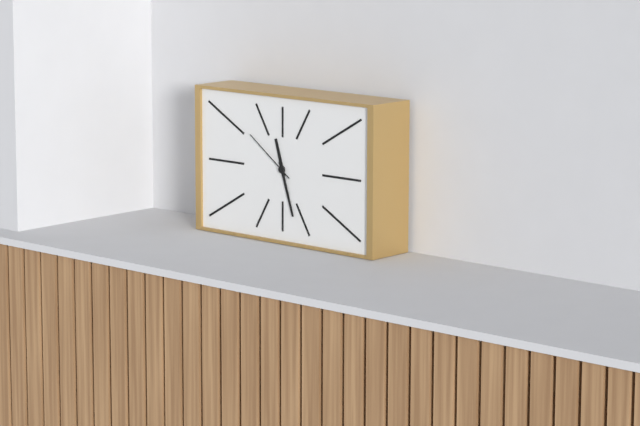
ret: {"hour": 11, "minute": 27, "second": 51}
